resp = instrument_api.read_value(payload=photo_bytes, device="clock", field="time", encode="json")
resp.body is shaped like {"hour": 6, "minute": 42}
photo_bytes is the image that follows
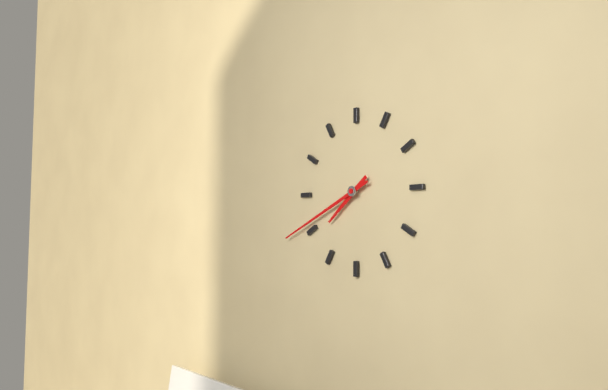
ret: {"hour": 7, "minute": 41}
